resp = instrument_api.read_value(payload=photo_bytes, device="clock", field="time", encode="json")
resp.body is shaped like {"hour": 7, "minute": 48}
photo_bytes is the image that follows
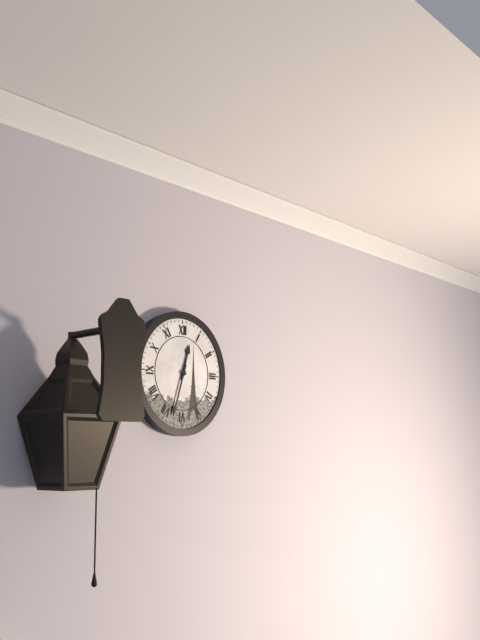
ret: {"hour": 12, "minute": 33}
